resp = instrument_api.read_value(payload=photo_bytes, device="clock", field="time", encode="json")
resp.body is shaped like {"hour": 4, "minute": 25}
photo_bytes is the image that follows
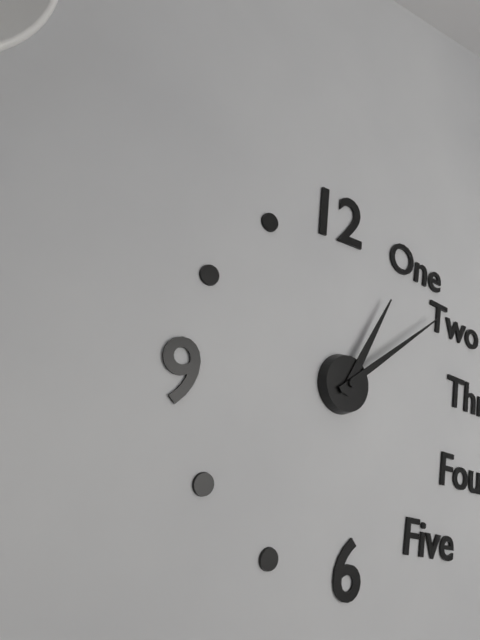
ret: {"hour": 1, "minute": 10}
